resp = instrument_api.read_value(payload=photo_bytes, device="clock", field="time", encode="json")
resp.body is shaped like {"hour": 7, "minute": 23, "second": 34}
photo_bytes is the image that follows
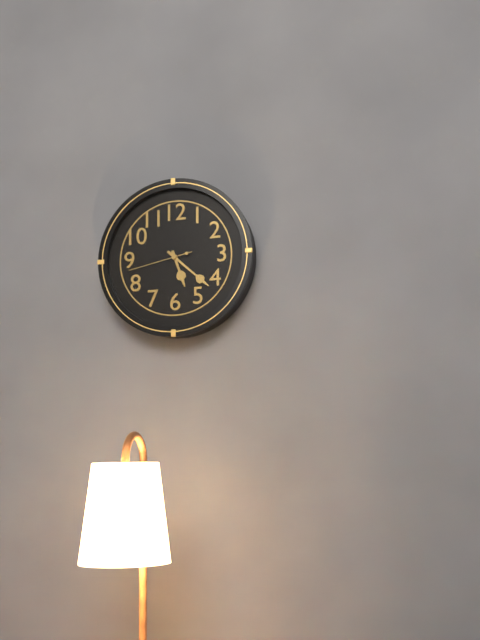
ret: {"hour": 5, "minute": 22, "second": 43}
